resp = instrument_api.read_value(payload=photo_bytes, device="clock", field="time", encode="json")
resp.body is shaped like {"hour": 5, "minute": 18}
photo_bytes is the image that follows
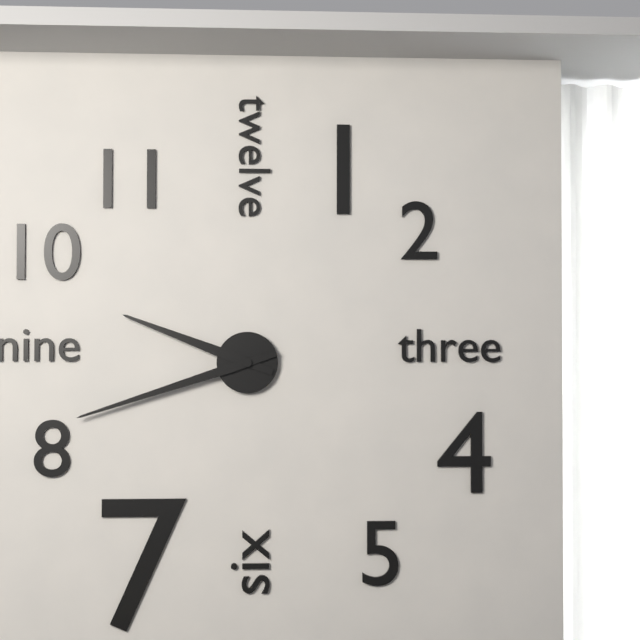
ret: {"hour": 9, "minute": 42}
